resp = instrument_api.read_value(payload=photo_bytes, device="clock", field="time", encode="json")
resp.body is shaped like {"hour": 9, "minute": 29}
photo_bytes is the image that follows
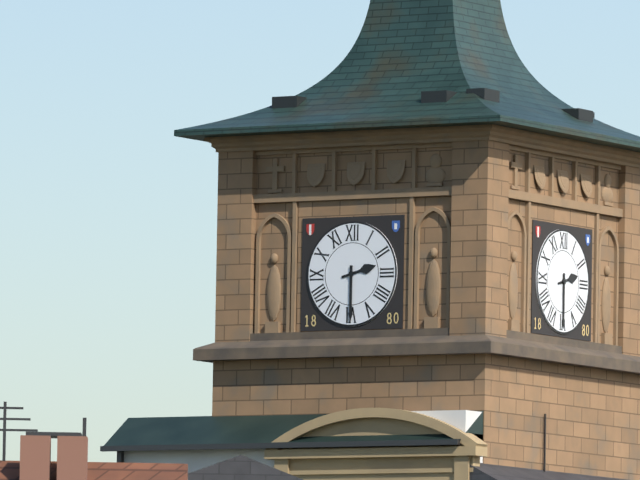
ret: {"hour": 2, "minute": 30}
